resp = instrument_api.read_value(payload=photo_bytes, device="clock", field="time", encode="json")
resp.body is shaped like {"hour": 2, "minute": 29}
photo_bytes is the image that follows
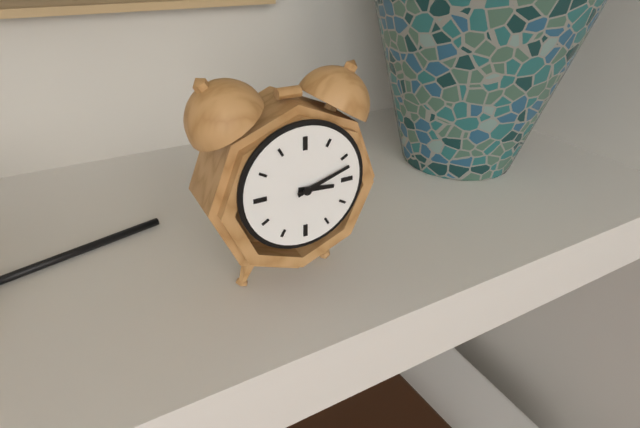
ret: {"hour": 3, "minute": 12}
